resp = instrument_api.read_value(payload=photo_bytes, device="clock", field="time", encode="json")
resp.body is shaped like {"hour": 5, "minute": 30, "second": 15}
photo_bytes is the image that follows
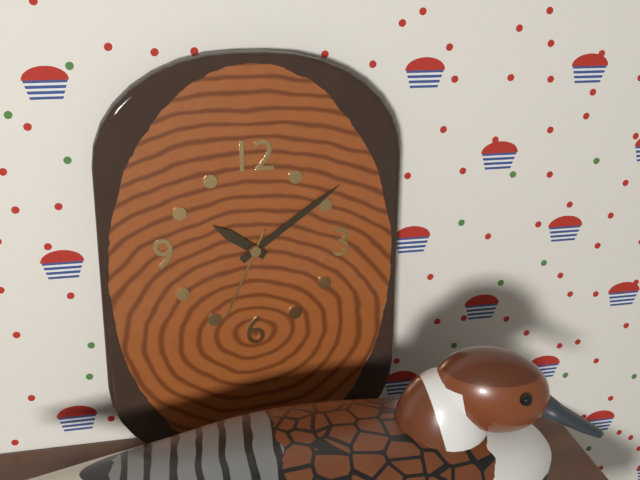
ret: {"hour": 10, "minute": 9, "second": 34}
